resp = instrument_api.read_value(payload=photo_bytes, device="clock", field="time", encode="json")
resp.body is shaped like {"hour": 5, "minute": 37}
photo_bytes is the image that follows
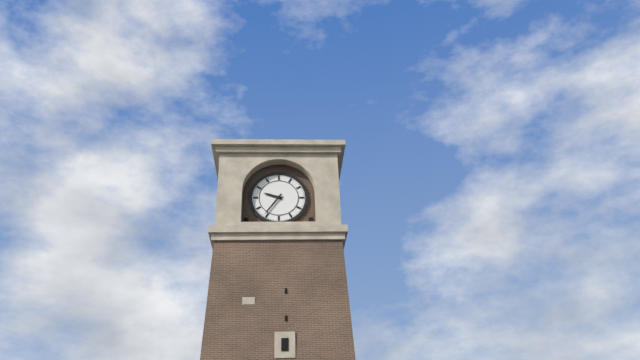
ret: {"hour": 9, "minute": 36}
